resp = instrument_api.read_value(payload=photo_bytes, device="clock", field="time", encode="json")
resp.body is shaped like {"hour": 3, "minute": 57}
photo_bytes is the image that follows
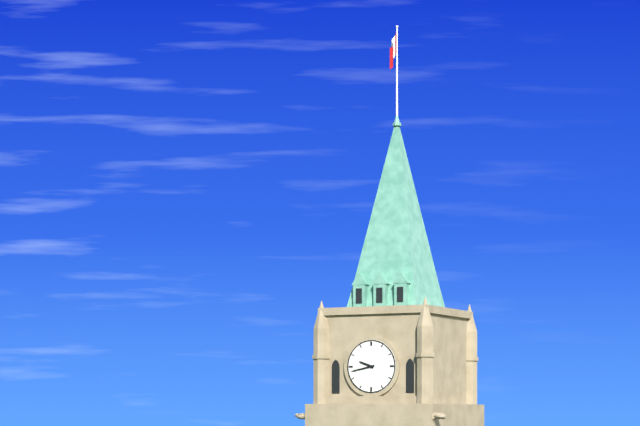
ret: {"hour": 9, "minute": 43}
